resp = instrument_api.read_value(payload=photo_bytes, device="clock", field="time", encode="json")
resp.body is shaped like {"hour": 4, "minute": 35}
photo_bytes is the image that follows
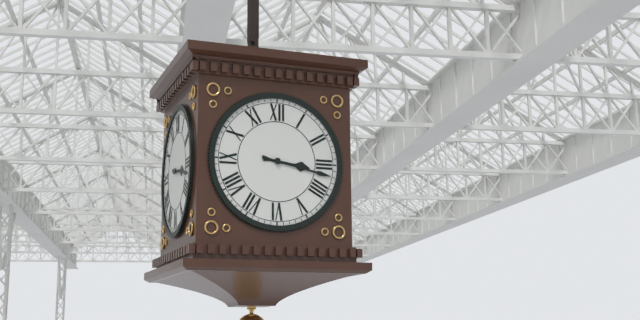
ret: {"hour": 3, "minute": 17}
